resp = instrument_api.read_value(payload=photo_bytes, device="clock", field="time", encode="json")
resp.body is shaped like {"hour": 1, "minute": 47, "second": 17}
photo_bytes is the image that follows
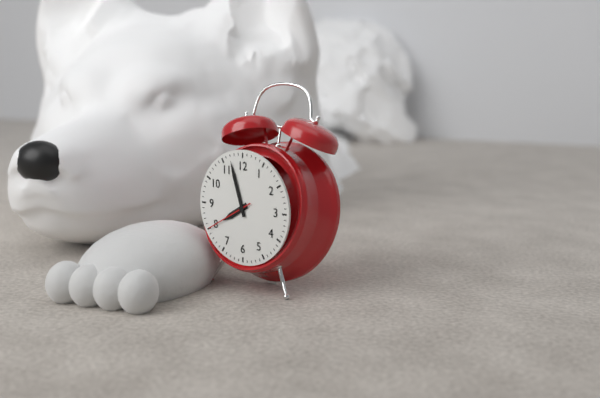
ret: {"hour": 7, "minute": 57, "second": 40}
